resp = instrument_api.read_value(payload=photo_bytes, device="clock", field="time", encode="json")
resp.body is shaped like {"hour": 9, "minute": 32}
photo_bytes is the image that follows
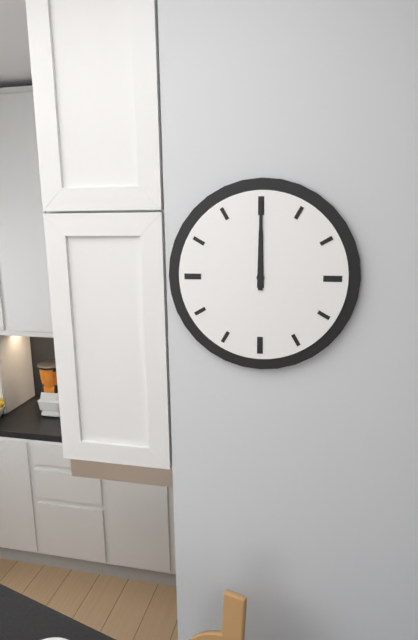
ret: {"hour": 12, "minute": 0}
